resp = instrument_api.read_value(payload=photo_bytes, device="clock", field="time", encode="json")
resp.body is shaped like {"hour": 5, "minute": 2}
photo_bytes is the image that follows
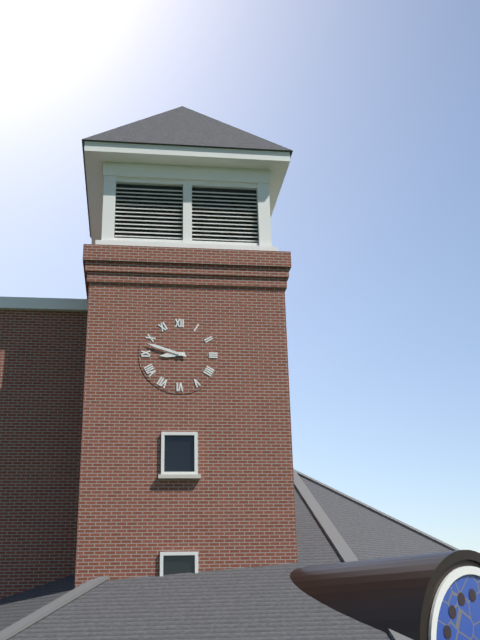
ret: {"hour": 8, "minute": 48}
